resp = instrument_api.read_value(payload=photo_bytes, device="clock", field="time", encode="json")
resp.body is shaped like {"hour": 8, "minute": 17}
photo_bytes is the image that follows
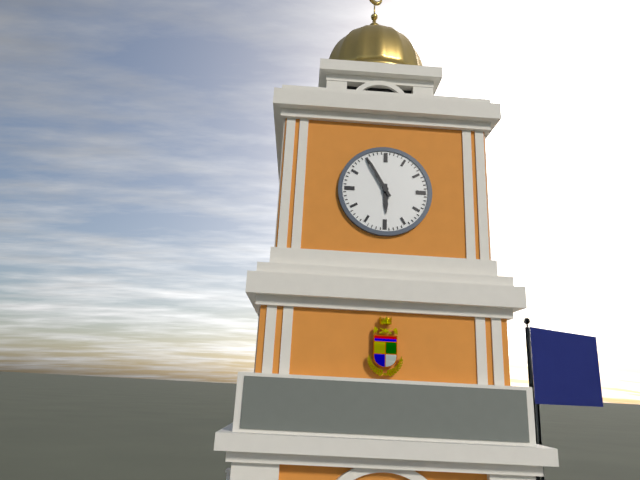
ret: {"hour": 5, "minute": 55}
